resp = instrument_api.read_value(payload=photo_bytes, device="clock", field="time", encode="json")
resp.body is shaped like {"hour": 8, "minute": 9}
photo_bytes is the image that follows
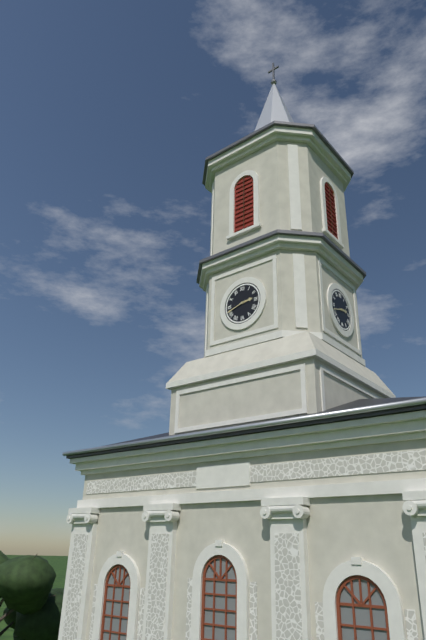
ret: {"hour": 2, "minute": 42}
